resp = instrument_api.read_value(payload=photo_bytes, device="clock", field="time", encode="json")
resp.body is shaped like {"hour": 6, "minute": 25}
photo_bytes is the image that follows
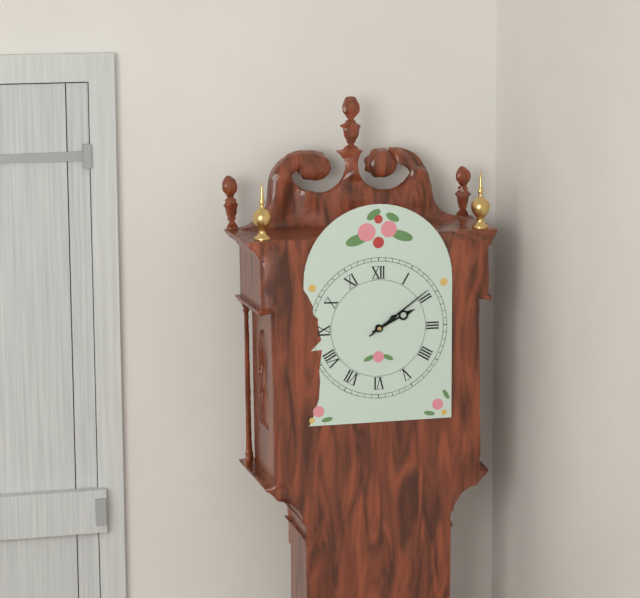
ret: {"hour": 2, "minute": 9}
